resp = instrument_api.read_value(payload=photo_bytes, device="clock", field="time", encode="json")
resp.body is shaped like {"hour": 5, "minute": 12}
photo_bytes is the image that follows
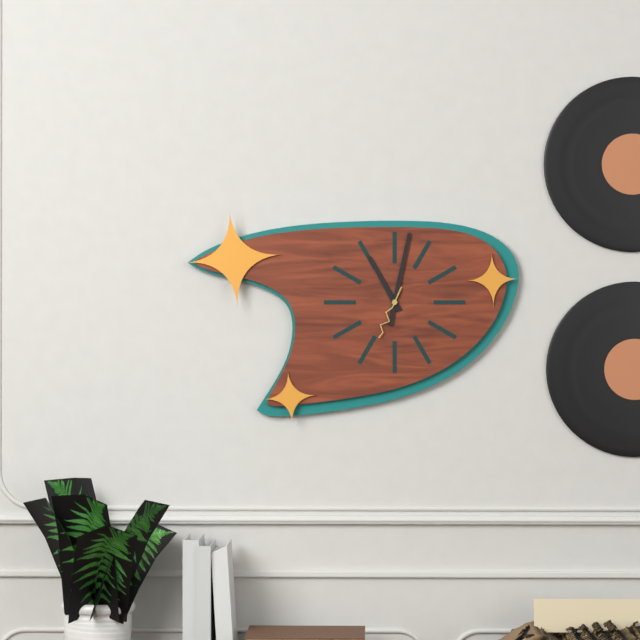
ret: {"hour": 11, "minute": 2}
